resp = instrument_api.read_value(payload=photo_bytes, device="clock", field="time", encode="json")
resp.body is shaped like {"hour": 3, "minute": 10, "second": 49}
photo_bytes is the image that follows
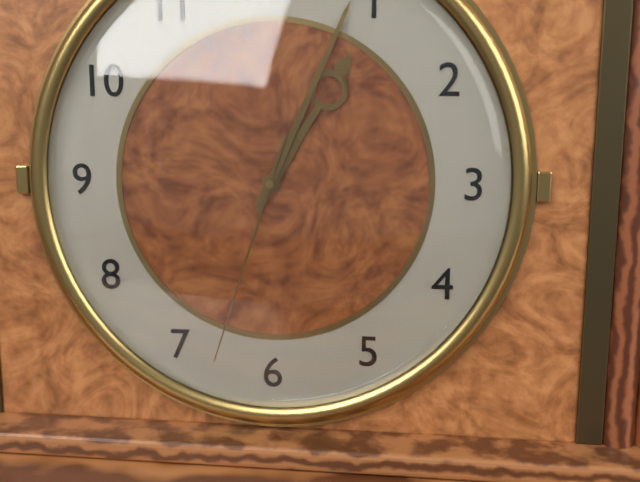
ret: {"hour": 1, "minute": 4, "second": 33}
